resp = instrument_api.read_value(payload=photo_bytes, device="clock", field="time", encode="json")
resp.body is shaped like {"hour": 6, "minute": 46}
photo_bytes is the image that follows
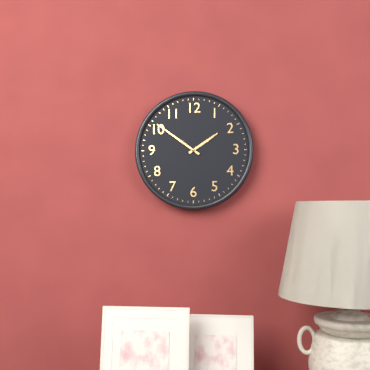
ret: {"hour": 1, "minute": 51}
